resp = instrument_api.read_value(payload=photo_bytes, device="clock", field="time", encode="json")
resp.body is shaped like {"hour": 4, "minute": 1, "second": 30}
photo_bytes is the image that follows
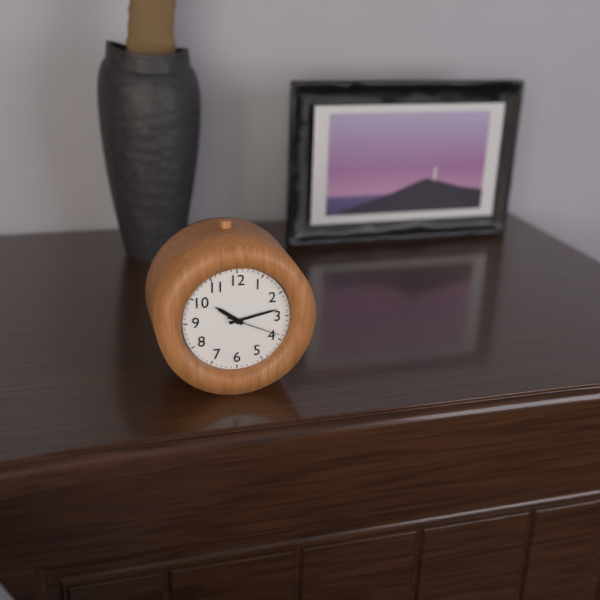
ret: {"hour": 10, "minute": 13, "second": 19}
